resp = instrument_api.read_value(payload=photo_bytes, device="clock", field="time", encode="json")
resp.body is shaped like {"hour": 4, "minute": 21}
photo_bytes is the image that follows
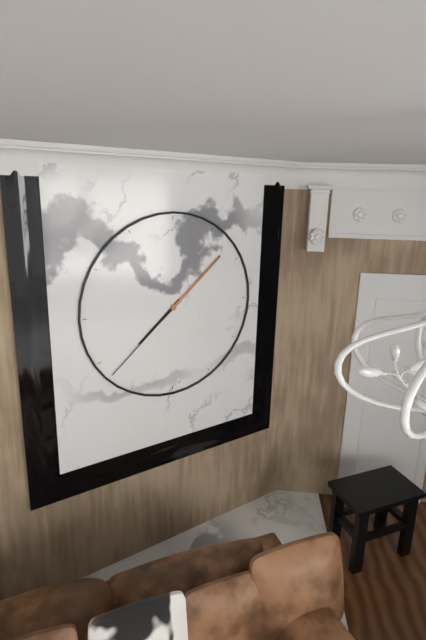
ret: {"hour": 7, "minute": 38}
